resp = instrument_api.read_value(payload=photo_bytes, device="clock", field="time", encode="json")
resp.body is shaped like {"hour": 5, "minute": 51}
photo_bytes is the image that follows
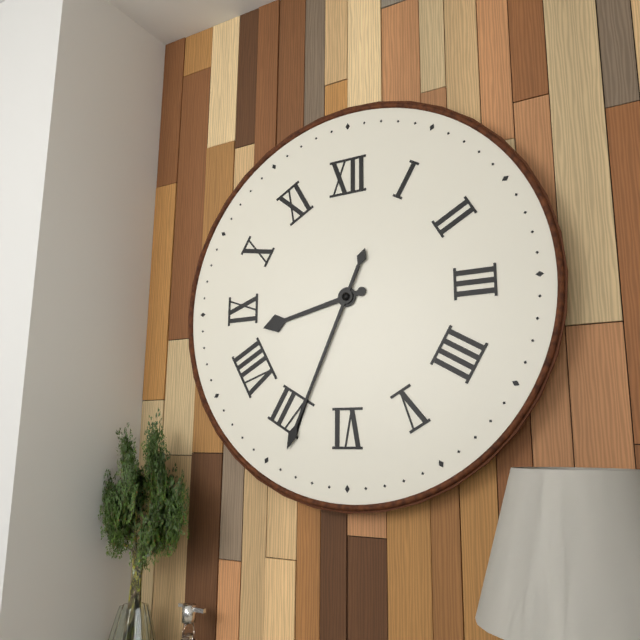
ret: {"hour": 8, "minute": 34}
